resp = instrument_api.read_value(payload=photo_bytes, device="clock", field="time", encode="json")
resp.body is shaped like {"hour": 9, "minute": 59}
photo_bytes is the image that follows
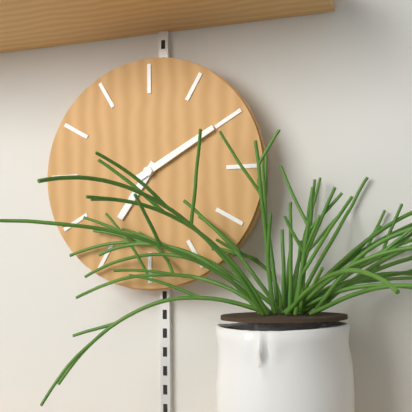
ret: {"hour": 7, "minute": 10}
